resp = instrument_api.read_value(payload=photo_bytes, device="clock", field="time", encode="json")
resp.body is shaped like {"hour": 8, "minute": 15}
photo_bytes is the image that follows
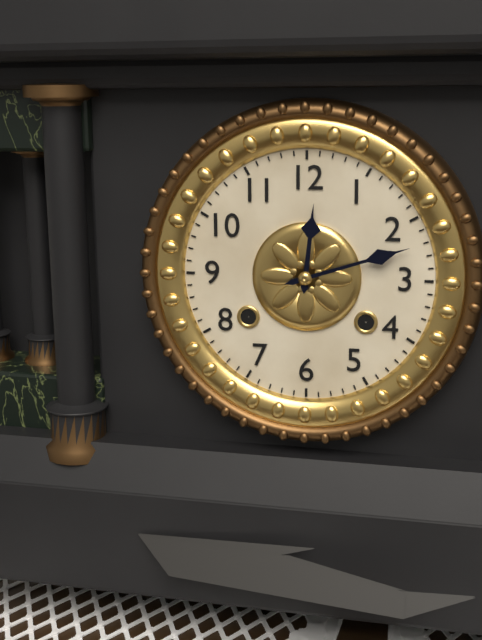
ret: {"hour": 12, "minute": 12}
